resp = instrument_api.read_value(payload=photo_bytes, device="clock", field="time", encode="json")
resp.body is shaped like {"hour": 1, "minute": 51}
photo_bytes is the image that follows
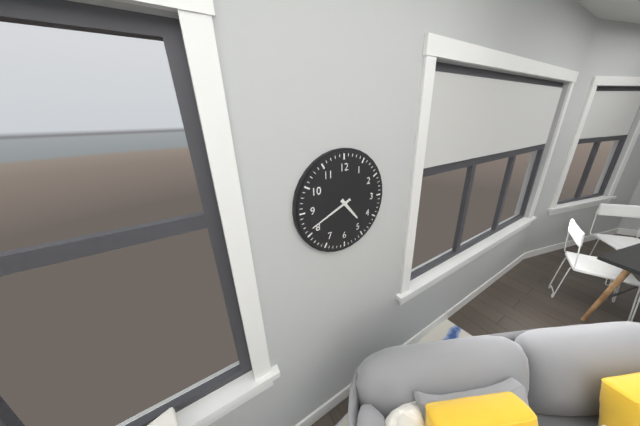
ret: {"hour": 4, "minute": 41}
